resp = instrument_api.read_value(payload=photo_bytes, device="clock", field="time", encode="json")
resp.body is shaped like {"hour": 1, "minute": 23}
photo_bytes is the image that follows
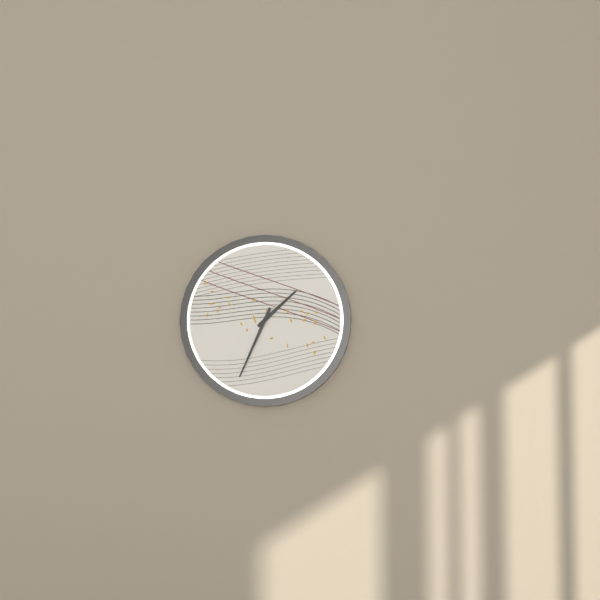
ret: {"hour": 1, "minute": 34}
